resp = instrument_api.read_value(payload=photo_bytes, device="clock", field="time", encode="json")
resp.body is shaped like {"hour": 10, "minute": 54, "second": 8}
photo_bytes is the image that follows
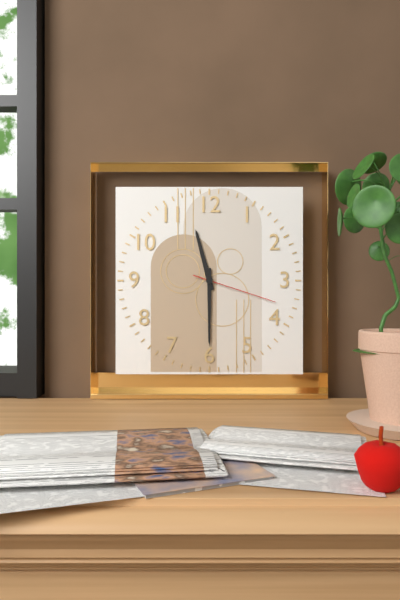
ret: {"hour": 11, "minute": 30, "second": 18}
